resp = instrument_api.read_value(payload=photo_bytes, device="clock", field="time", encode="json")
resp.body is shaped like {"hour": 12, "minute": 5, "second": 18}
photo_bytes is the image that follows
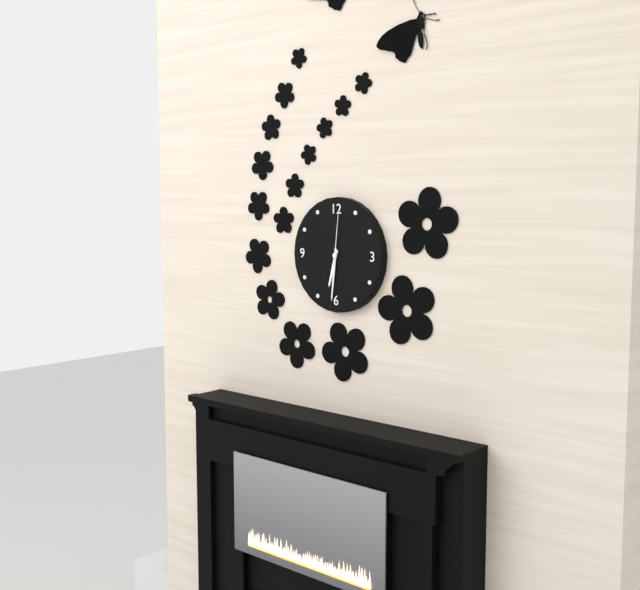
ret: {"hour": 6, "minute": 31, "second": 1}
